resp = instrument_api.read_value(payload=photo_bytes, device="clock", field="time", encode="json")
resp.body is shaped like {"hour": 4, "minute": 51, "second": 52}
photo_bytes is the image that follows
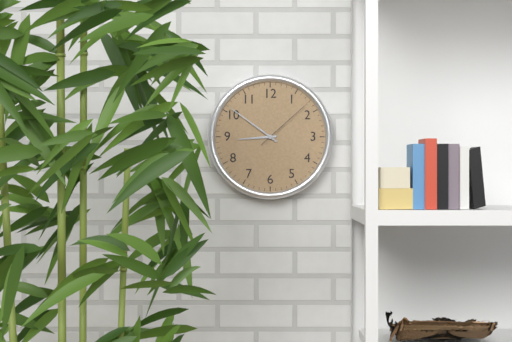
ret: {"hour": 8, "minute": 51, "second": 8}
